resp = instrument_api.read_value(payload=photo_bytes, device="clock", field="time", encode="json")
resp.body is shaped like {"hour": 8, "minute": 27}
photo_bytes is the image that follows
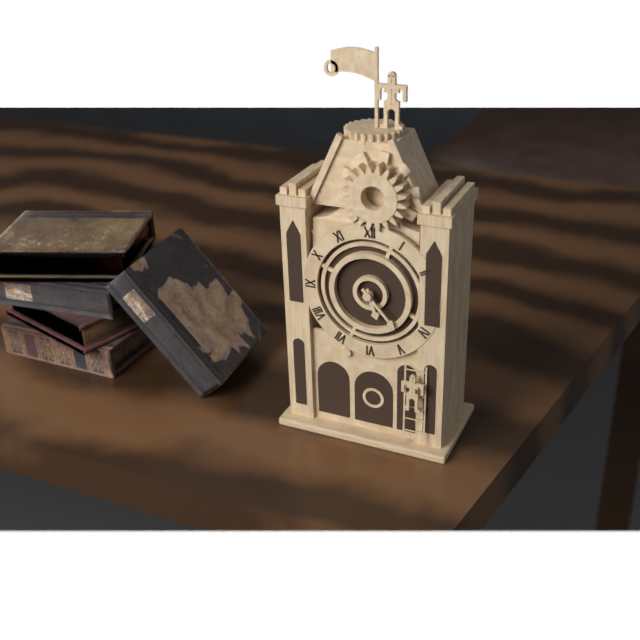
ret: {"hour": 5, "minute": 23}
